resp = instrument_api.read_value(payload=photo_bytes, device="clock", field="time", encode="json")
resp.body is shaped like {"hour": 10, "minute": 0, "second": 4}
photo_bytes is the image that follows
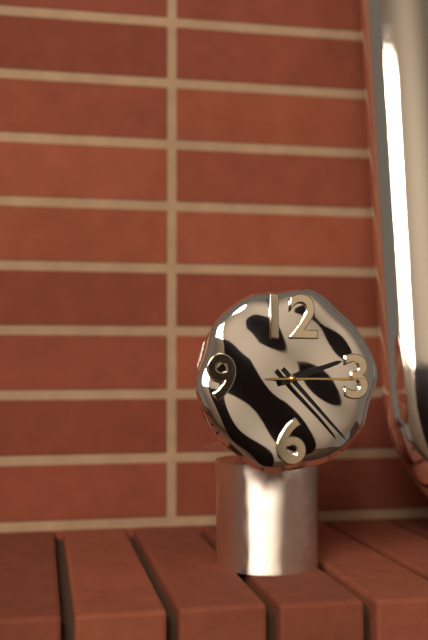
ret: {"hour": 2, "minute": 23, "second": 15}
